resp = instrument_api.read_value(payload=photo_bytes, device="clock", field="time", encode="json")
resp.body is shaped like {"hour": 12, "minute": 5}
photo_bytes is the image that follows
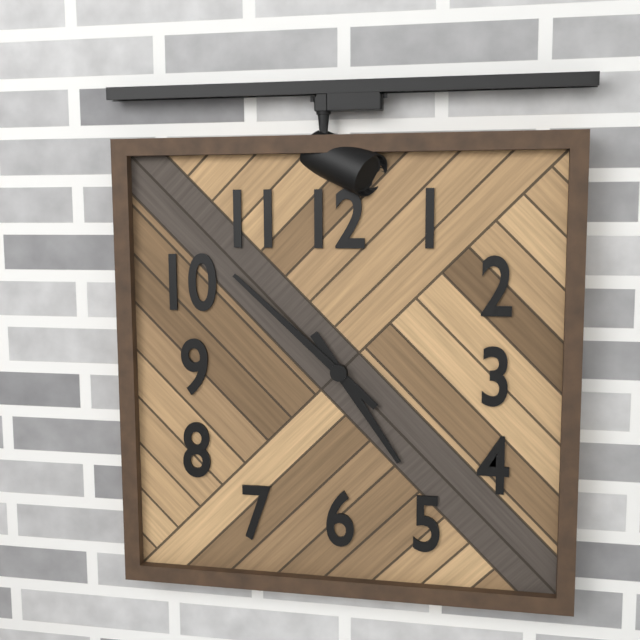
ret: {"hour": 4, "minute": 52}
